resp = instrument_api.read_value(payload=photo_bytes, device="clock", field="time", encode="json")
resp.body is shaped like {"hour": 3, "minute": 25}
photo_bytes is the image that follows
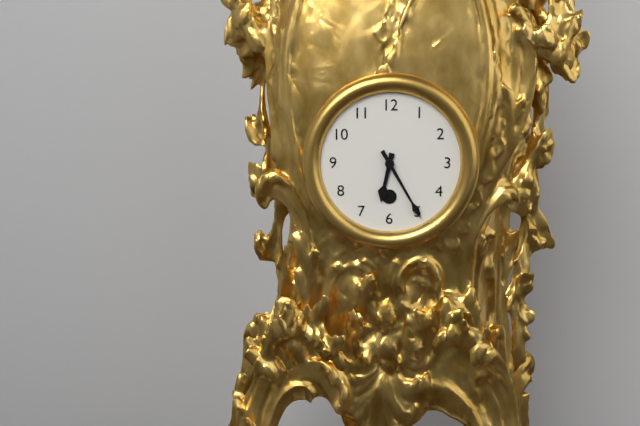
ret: {"hour": 6, "minute": 25}
